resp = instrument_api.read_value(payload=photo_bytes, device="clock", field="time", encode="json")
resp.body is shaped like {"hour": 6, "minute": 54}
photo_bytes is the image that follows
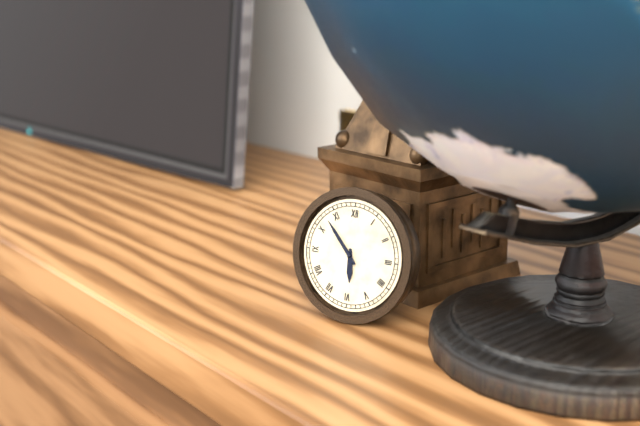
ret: {"hour": 5, "minute": 53}
